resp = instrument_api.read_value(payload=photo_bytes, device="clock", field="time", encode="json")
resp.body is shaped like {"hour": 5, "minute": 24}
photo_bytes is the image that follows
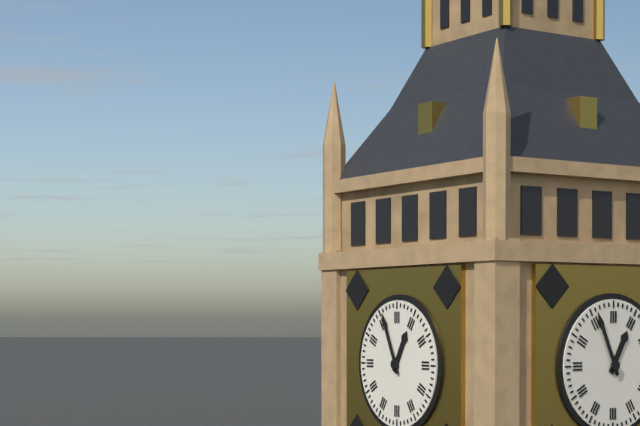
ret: {"hour": 12, "minute": 56}
